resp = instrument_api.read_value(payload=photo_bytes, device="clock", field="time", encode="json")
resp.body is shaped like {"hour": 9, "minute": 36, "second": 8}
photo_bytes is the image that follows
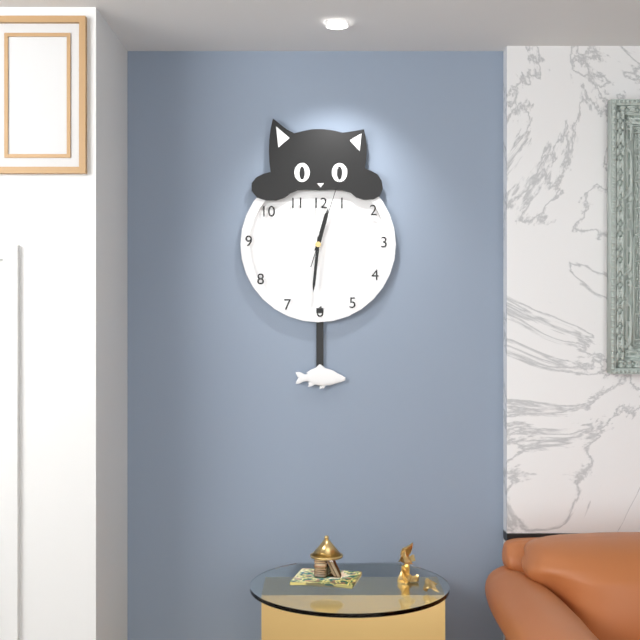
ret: {"hour": 12, "minute": 31, "second": 3}
